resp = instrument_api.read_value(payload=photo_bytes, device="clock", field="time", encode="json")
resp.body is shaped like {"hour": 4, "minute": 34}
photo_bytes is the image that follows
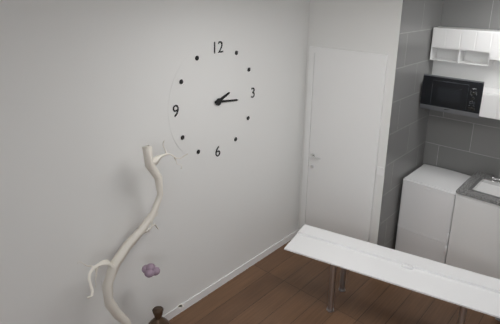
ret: {"hour": 2, "minute": 16}
